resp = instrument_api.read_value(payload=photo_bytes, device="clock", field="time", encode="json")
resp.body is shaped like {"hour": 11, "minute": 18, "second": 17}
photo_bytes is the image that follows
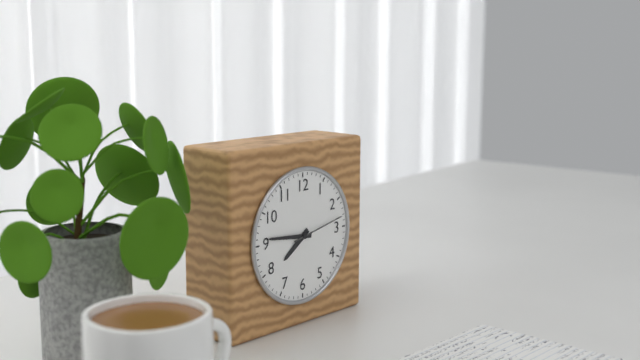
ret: {"hour": 7, "minute": 46, "second": 13}
